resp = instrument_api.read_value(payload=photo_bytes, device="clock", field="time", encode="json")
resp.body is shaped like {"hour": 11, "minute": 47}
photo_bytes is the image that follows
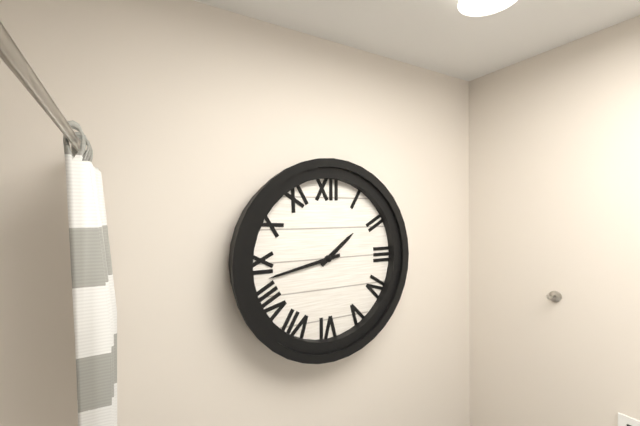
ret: {"hour": 1, "minute": 43}
